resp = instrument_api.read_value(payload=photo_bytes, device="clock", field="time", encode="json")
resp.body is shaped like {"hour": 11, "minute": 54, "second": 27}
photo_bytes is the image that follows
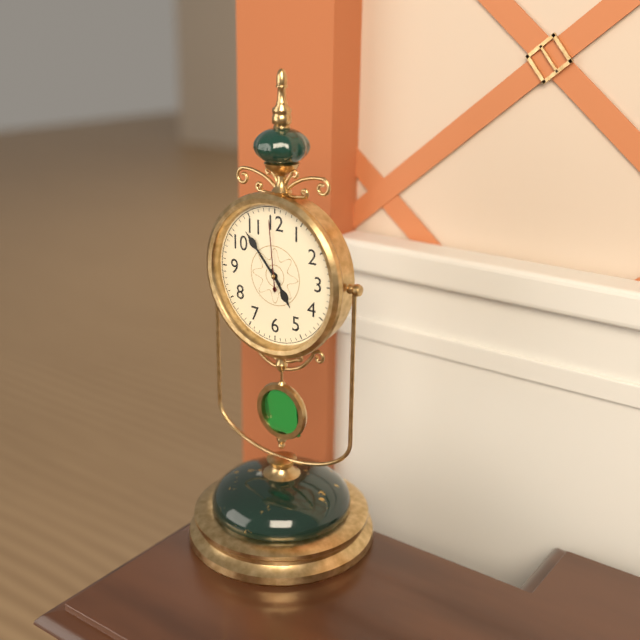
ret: {"hour": 4, "minute": 53, "second": 59}
